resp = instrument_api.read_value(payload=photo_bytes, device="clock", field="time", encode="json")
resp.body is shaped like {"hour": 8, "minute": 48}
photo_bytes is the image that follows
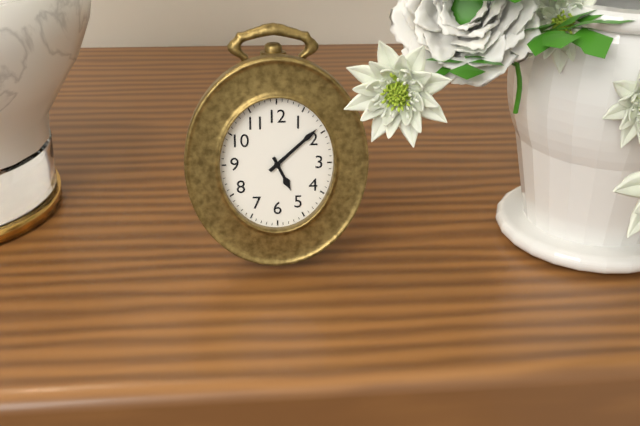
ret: {"hour": 5, "minute": 8}
